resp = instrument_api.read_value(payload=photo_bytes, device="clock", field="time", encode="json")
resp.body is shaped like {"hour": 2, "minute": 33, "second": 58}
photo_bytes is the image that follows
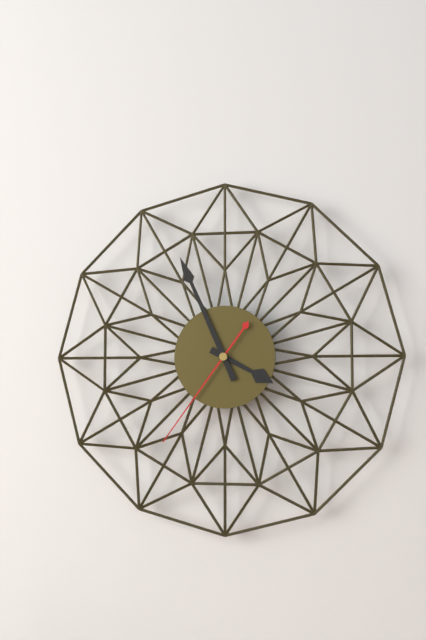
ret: {"hour": 3, "minute": 56, "second": 36}
